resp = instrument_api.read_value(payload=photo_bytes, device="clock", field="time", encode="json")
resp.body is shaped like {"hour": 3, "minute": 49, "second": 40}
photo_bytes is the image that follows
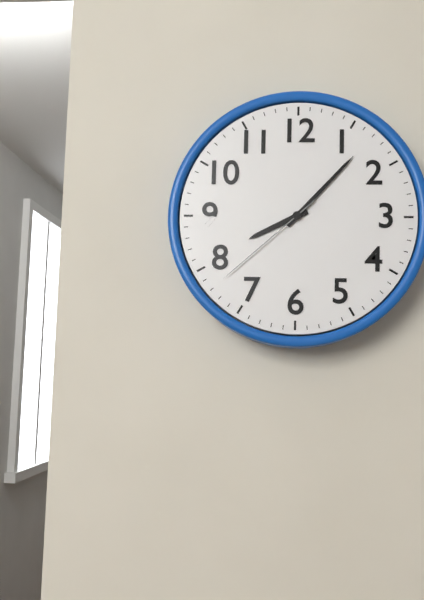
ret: {"hour": 8, "minute": 7, "second": 38}
